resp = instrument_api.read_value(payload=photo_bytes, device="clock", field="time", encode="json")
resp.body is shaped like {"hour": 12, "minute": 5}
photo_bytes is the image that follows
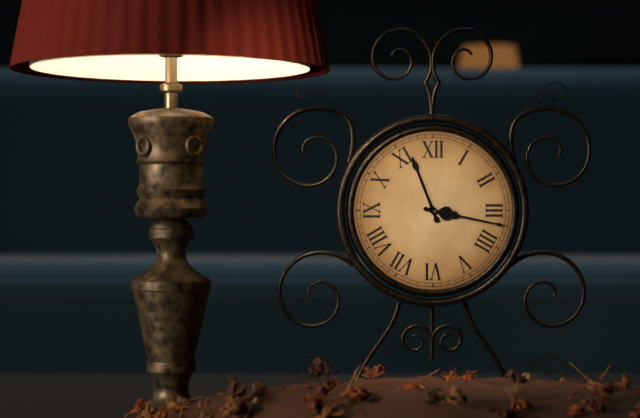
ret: {"hour": 11, "minute": 17}
